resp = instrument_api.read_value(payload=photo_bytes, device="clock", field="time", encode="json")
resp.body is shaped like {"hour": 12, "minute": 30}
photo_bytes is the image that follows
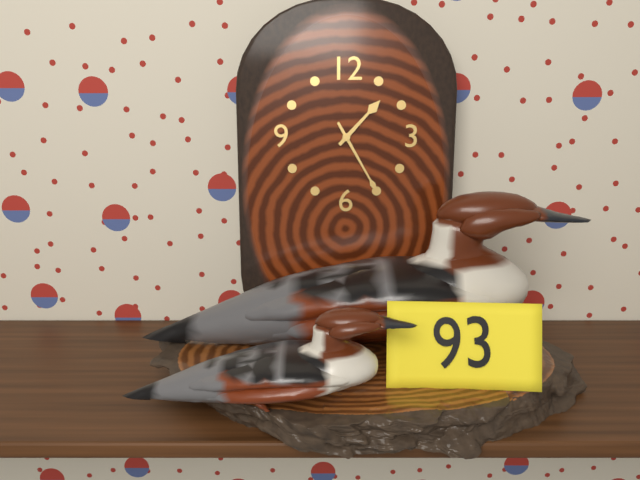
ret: {"hour": 1, "minute": 25}
